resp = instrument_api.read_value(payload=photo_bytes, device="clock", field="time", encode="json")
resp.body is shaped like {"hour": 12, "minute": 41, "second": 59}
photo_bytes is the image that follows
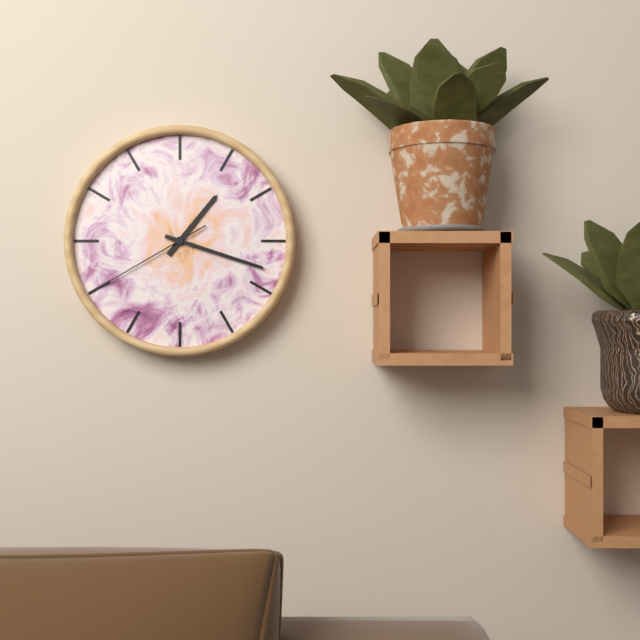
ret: {"hour": 1, "minute": 18, "second": 40}
